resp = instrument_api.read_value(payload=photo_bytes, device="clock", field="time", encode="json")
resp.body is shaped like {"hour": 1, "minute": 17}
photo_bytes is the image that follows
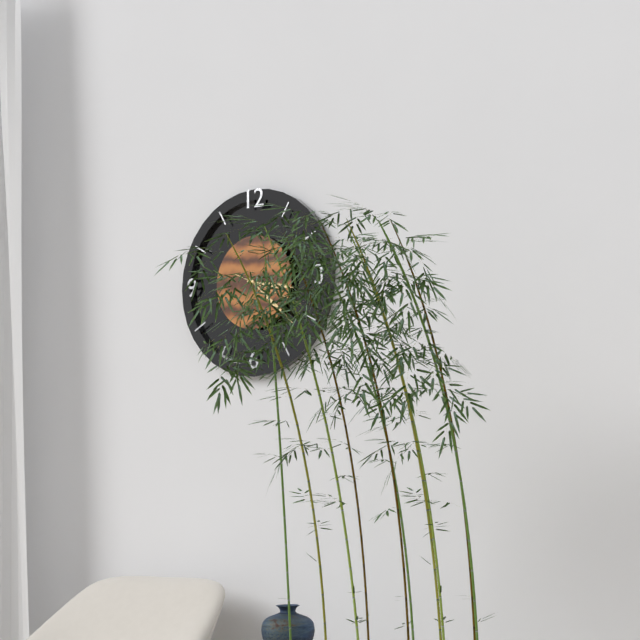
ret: {"hour": 3, "minute": 22}
